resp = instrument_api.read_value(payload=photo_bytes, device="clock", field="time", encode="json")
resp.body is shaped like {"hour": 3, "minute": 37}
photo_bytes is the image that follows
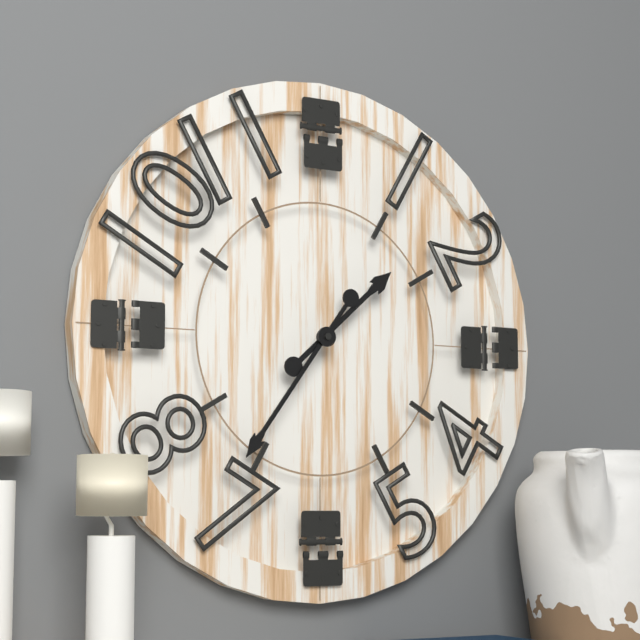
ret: {"hour": 1, "minute": 36}
